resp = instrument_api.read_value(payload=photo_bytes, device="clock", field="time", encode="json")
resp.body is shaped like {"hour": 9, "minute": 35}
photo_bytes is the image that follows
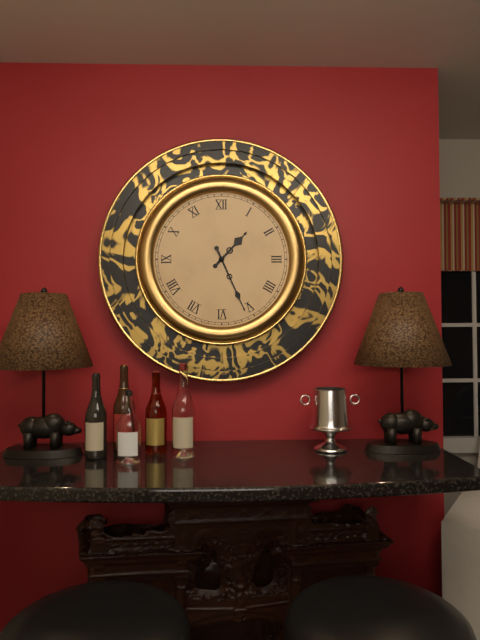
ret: {"hour": 1, "minute": 26}
